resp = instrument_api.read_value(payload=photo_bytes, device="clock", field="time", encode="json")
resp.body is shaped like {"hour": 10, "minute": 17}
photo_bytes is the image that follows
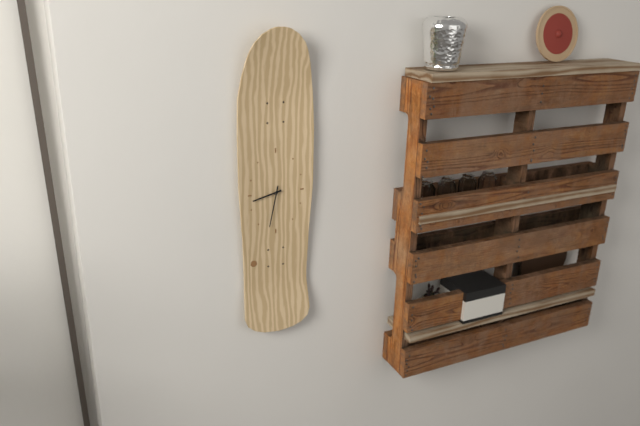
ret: {"hour": 8, "minute": 32}
